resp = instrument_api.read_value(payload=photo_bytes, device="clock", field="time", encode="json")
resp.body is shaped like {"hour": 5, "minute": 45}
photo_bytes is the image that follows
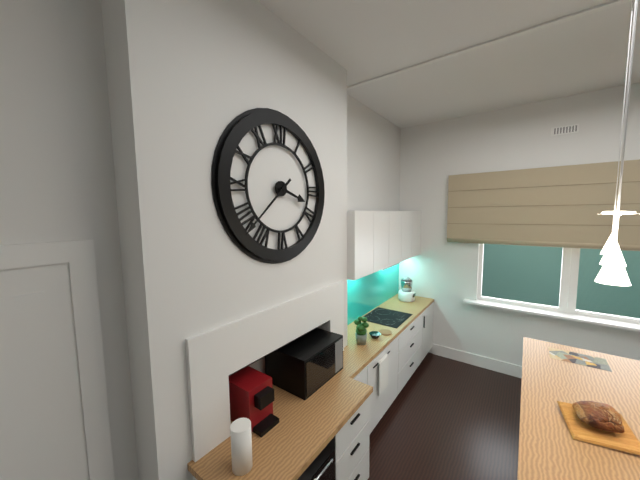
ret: {"hour": 3, "minute": 38}
